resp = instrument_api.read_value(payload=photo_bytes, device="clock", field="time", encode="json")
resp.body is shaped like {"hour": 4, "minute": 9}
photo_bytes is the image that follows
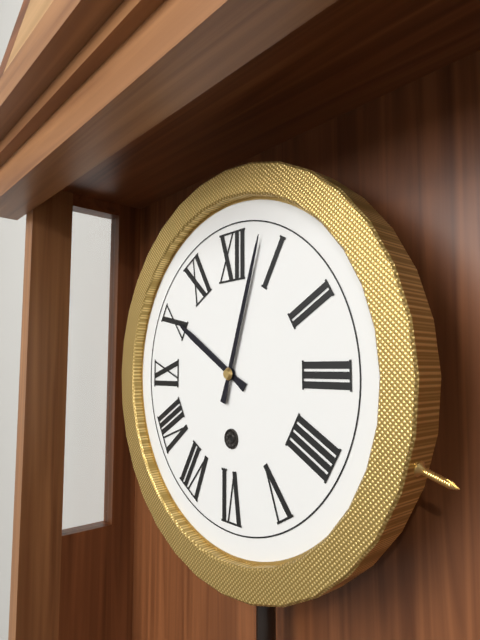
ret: {"hour": 10, "minute": 3}
